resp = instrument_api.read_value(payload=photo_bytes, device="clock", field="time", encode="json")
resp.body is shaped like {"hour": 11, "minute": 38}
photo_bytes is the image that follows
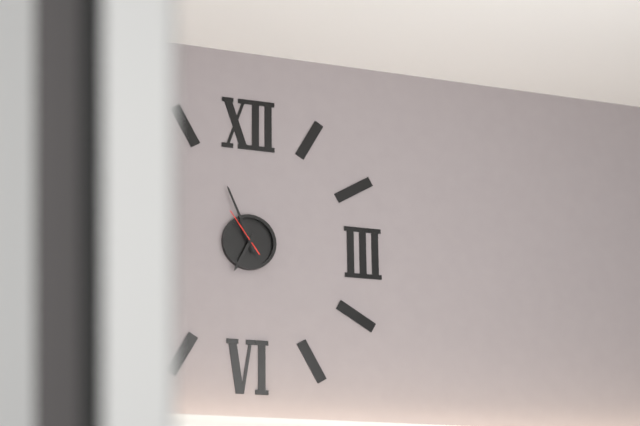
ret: {"hour": 6, "minute": 56}
